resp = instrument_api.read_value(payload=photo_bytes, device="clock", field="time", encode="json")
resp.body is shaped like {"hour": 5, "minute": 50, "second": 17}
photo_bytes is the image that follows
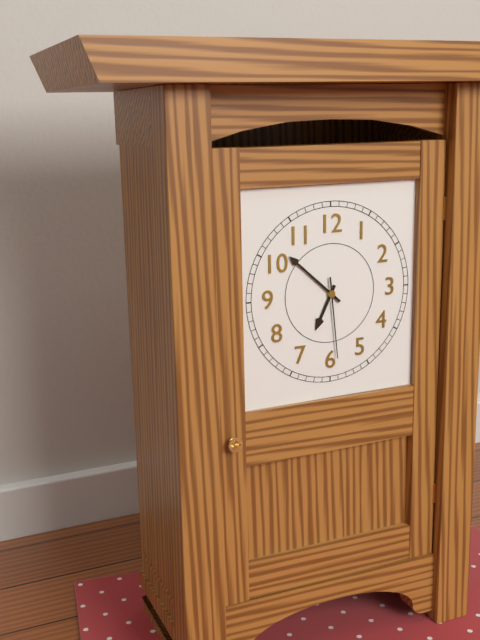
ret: {"hour": 6, "minute": 52, "second": 29}
